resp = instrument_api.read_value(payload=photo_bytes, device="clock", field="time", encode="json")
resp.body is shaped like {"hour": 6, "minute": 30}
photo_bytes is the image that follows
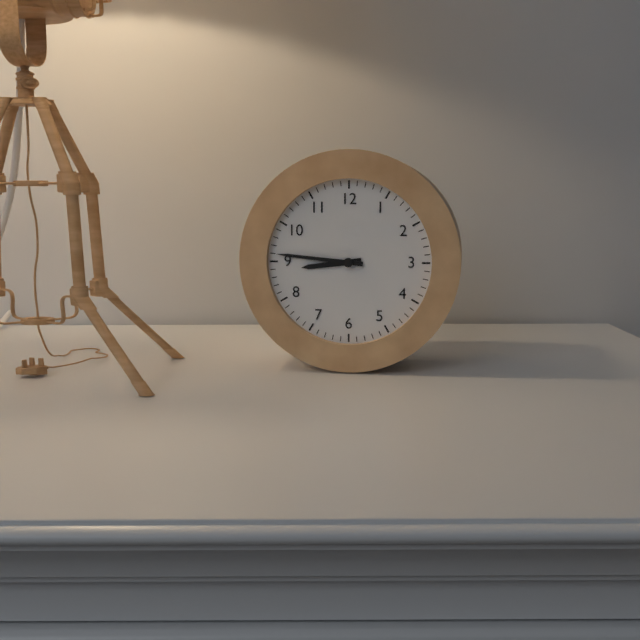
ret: {"hour": 8, "minute": 46}
